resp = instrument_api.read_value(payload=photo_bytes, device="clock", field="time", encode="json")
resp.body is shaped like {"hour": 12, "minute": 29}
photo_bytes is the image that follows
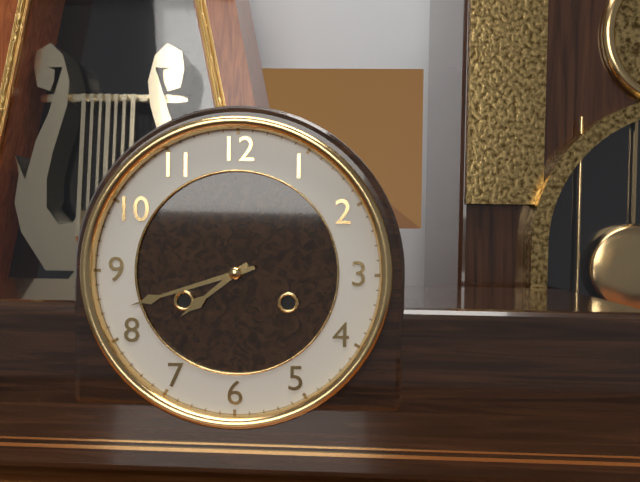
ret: {"hour": 7, "minute": 42}
